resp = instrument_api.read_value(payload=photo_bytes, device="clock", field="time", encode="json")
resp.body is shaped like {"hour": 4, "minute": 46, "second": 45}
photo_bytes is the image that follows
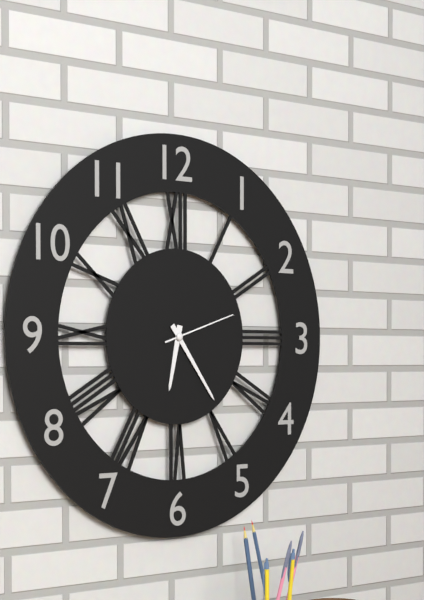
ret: {"hour": 6, "minute": 24, "second": 12}
